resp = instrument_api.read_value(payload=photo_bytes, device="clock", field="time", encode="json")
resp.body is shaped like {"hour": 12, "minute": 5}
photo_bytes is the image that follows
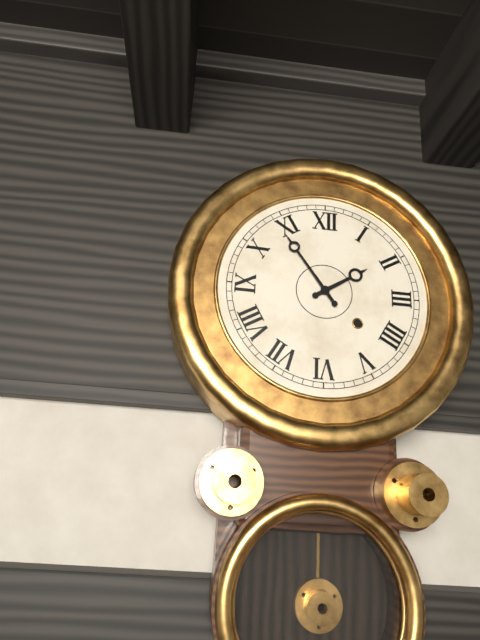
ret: {"hour": 1, "minute": 54}
